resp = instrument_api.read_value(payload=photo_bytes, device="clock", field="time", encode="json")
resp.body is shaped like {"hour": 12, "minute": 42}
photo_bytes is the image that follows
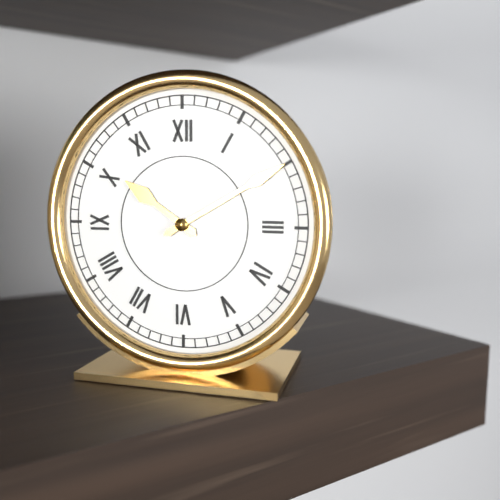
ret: {"hour": 10, "minute": 10}
